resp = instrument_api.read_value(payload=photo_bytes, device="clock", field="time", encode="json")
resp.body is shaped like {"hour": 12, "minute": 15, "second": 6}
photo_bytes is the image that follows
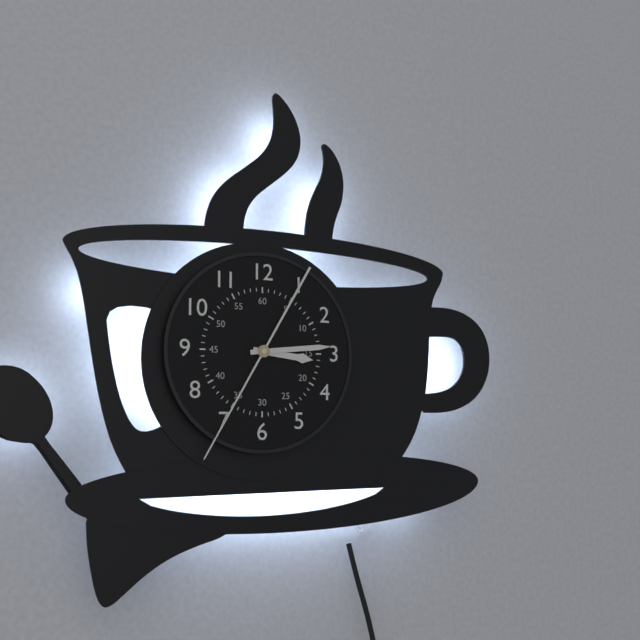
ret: {"hour": 3, "minute": 14, "second": 35}
